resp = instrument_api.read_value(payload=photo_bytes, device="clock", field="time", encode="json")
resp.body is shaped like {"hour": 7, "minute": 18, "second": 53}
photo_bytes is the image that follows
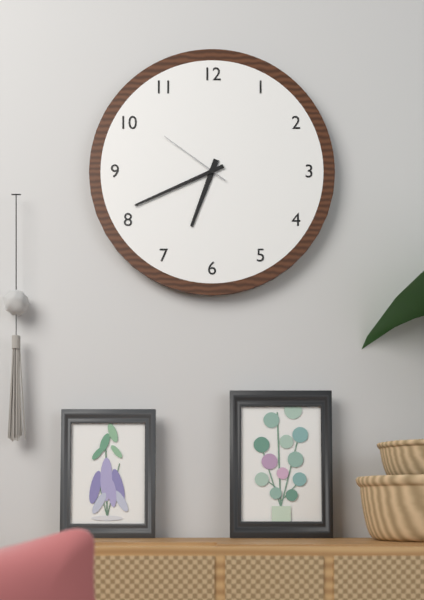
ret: {"hour": 6, "minute": 41, "second": 51}
